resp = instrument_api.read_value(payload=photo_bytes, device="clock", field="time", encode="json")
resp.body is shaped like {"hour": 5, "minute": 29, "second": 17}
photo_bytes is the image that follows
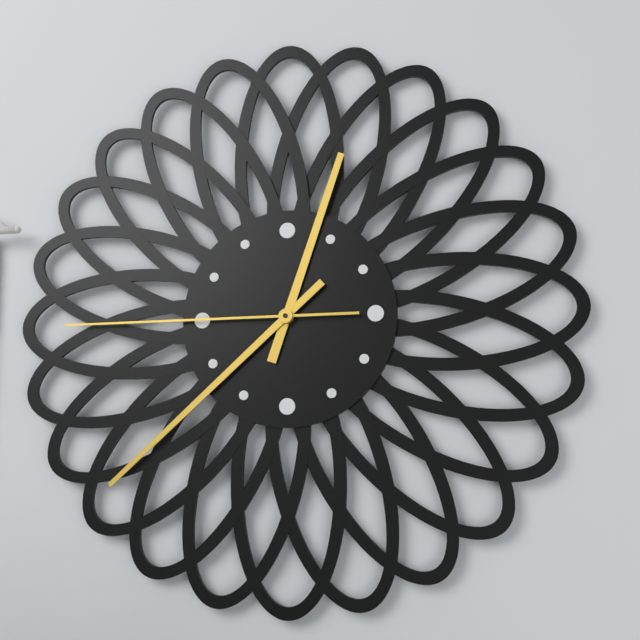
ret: {"hour": 12, "minute": 38, "second": 45}
